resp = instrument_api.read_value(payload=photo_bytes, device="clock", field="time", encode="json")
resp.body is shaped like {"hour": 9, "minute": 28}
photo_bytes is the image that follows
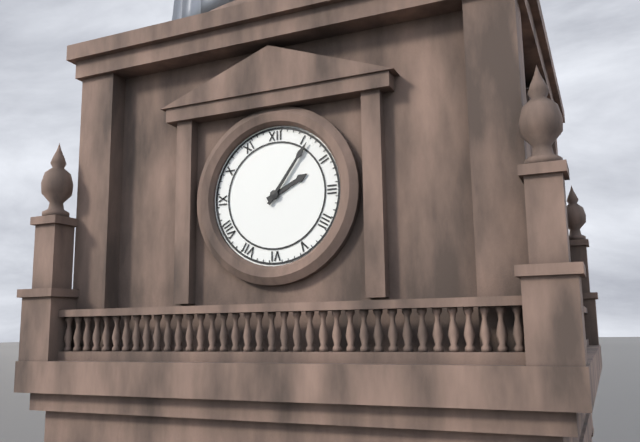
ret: {"hour": 2, "minute": 6}
